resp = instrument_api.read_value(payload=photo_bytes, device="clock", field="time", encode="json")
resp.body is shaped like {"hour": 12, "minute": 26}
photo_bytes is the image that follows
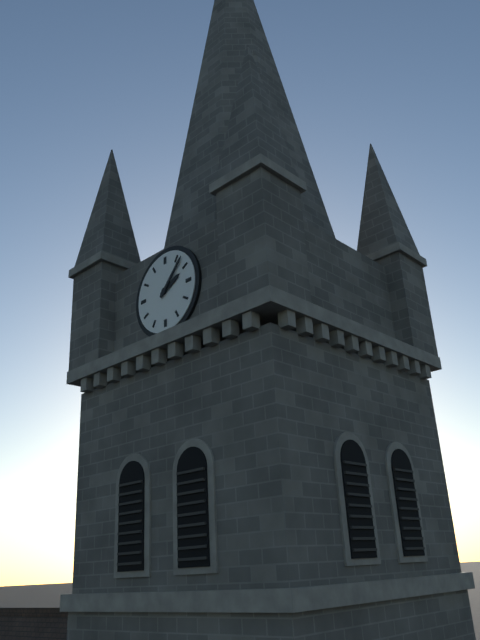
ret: {"hour": 2, "minute": 7}
